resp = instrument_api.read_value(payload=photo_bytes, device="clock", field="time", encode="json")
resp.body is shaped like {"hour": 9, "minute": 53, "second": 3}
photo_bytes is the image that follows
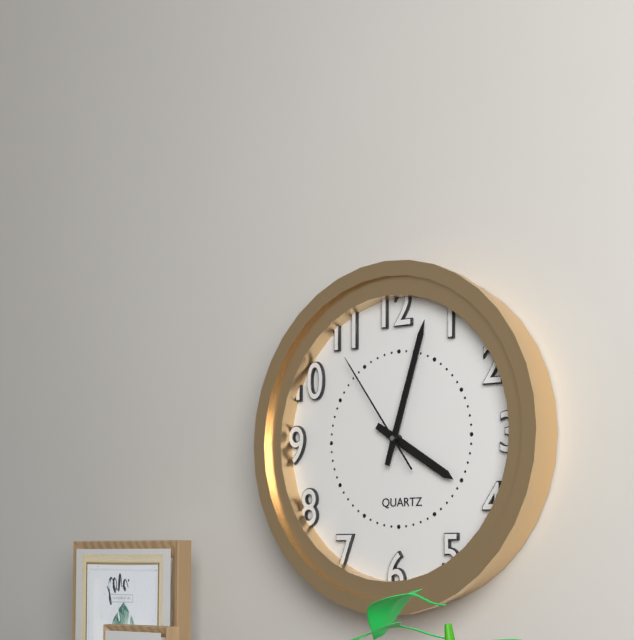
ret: {"hour": 4, "minute": 3, "second": 54}
